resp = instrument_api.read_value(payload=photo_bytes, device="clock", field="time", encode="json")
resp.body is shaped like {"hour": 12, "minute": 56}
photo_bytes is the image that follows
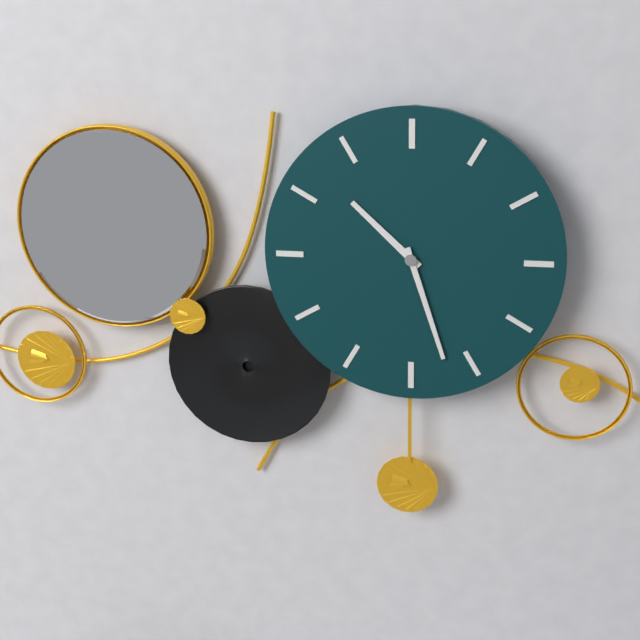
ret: {"hour": 10, "minute": 27}
